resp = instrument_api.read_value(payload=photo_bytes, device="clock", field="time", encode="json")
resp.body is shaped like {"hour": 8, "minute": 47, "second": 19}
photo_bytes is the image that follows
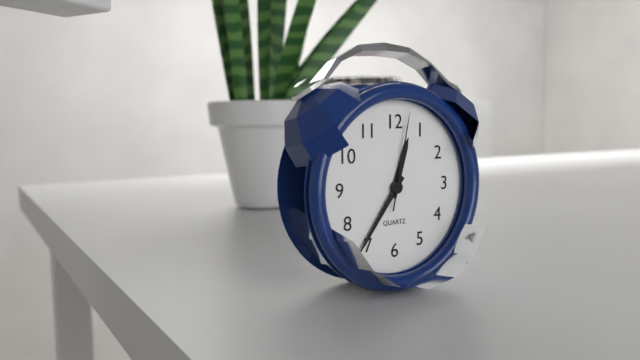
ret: {"hour": 12, "minute": 36, "second": 2}
